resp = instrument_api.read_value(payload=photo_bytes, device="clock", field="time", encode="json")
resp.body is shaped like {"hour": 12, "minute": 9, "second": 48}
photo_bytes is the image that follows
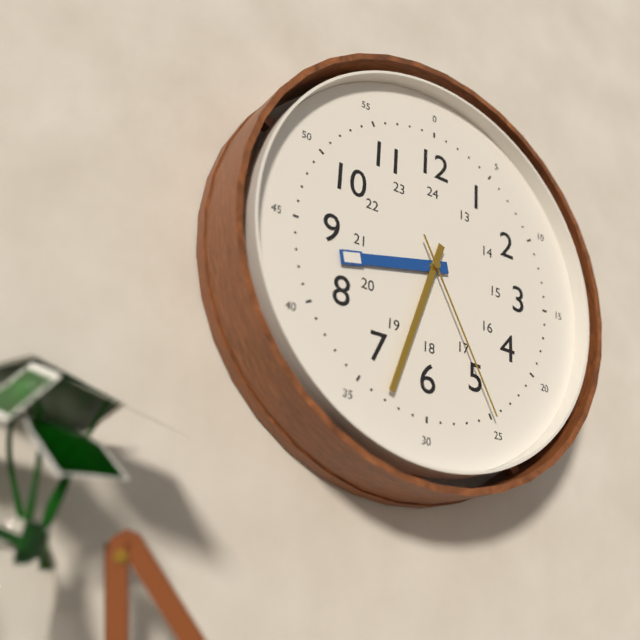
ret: {"hour": 8, "minute": 33, "second": 25}
